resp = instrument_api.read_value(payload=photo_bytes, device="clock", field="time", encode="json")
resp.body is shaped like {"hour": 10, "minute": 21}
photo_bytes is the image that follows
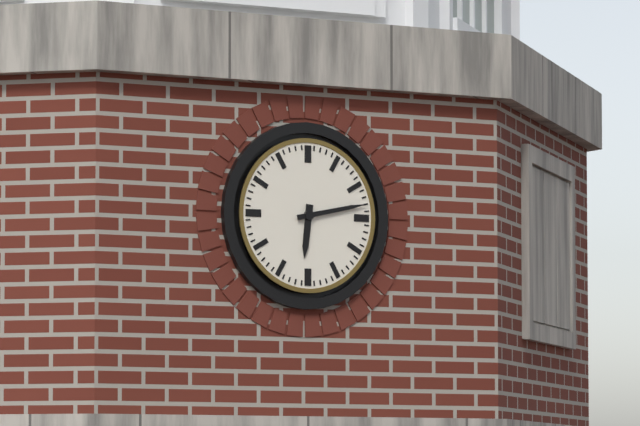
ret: {"hour": 6, "minute": 13}
